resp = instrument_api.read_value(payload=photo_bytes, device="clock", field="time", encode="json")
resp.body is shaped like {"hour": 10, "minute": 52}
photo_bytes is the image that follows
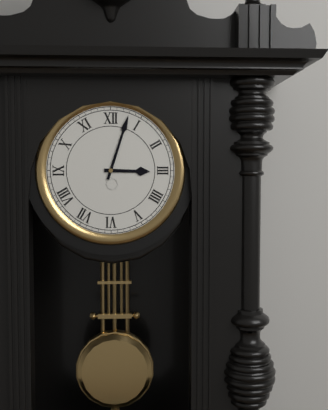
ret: {"hour": 3, "minute": 3}
